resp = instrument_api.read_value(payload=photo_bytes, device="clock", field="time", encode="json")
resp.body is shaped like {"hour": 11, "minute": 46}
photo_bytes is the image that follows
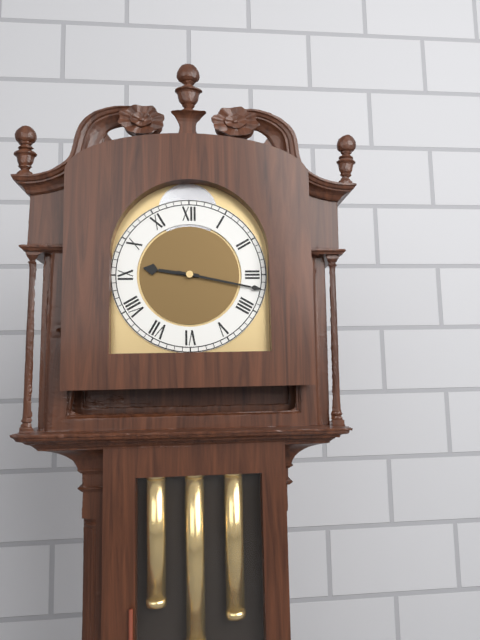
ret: {"hour": 9, "minute": 17}
